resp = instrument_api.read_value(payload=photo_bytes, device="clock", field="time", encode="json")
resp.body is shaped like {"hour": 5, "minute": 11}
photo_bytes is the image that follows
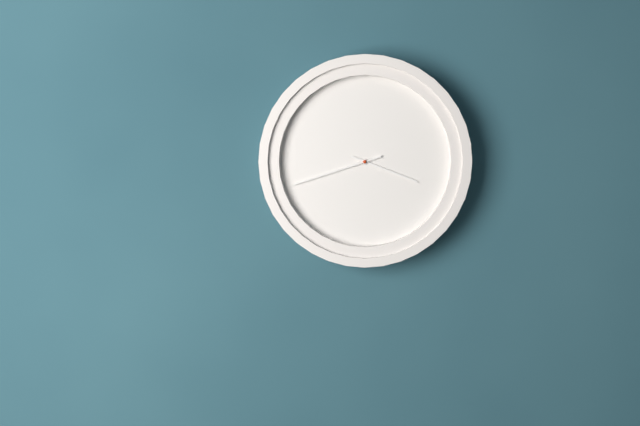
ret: {"hour": 3, "minute": 42}
